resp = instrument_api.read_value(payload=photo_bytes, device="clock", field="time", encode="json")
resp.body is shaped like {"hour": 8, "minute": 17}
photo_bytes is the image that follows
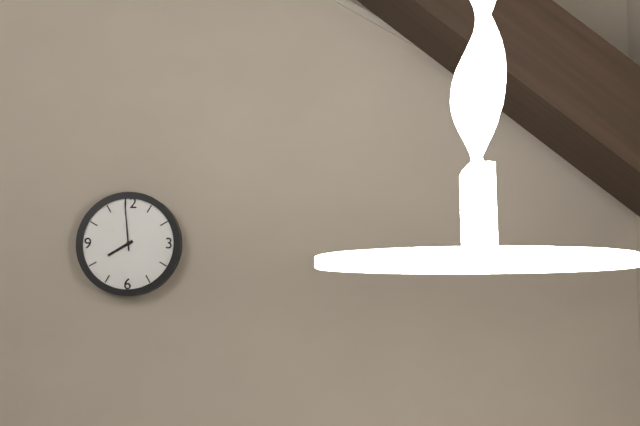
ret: {"hour": 7, "minute": 59}
